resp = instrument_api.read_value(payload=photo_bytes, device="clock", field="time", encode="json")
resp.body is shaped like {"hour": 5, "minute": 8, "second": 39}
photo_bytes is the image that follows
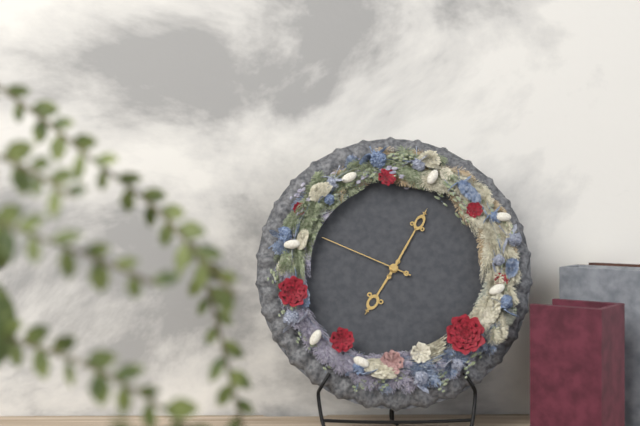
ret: {"hour": 7, "minute": 5, "second": 49}
